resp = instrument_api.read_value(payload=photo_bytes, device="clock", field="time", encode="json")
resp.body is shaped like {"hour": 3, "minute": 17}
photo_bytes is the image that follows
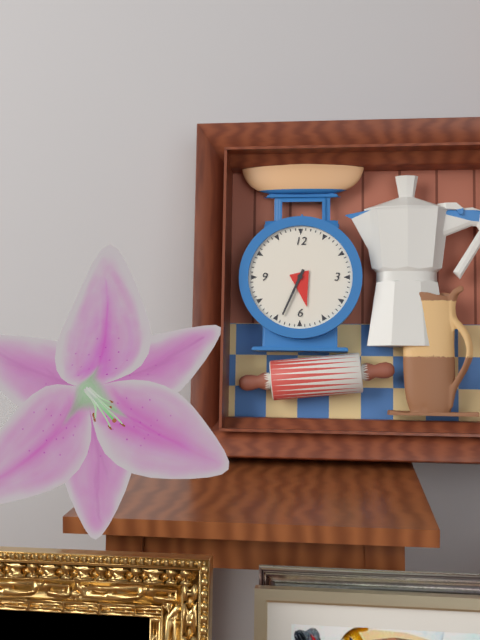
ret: {"hour": 5, "minute": 34}
